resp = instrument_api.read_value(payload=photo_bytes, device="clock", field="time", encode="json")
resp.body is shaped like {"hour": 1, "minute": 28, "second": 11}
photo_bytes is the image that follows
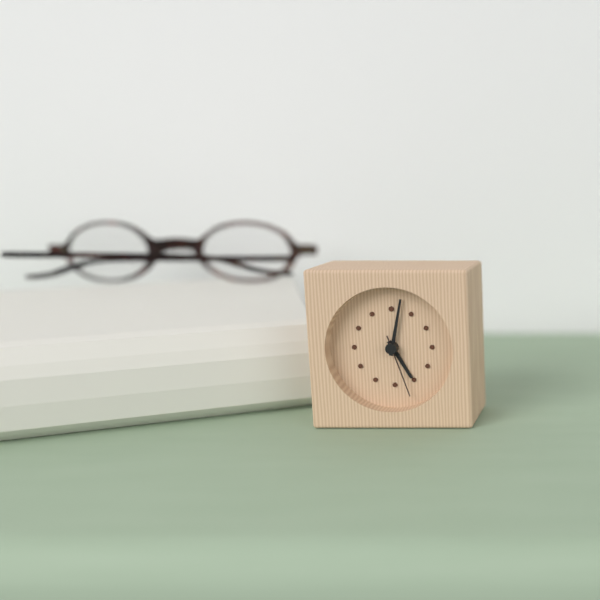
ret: {"hour": 5, "minute": 2, "second": 27}
